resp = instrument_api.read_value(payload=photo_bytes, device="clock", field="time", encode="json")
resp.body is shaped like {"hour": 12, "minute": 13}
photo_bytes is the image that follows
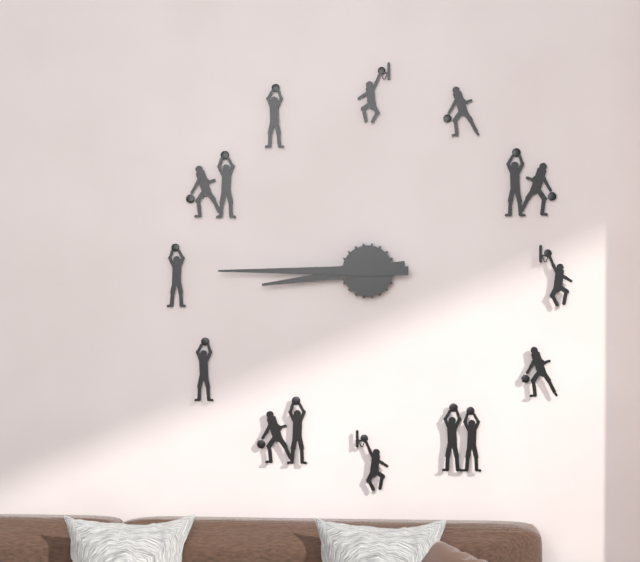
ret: {"hour": 8, "minute": 45}
